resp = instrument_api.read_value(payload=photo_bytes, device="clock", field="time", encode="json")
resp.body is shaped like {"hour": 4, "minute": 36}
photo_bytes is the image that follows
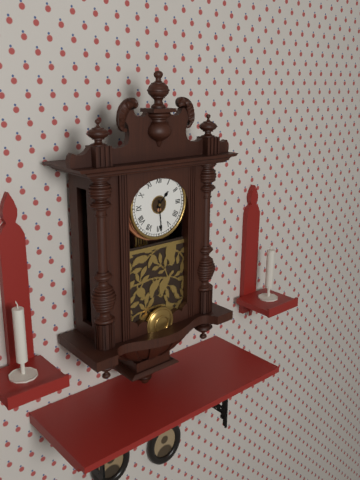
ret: {"hour": 1, "minute": 29}
